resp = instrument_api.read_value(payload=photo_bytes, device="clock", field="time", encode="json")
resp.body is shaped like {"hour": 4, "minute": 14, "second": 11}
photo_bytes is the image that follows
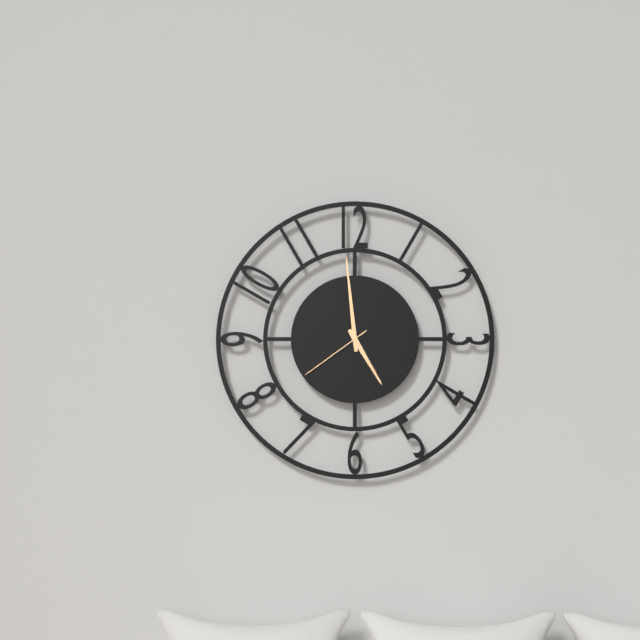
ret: {"hour": 4, "minute": 59, "second": 39}
